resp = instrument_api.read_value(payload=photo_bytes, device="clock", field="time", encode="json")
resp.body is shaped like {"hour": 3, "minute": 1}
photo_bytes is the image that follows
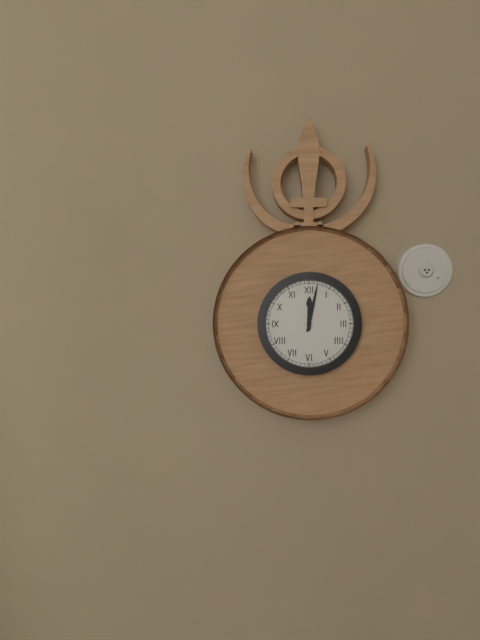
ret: {"hour": 12, "minute": 2}
